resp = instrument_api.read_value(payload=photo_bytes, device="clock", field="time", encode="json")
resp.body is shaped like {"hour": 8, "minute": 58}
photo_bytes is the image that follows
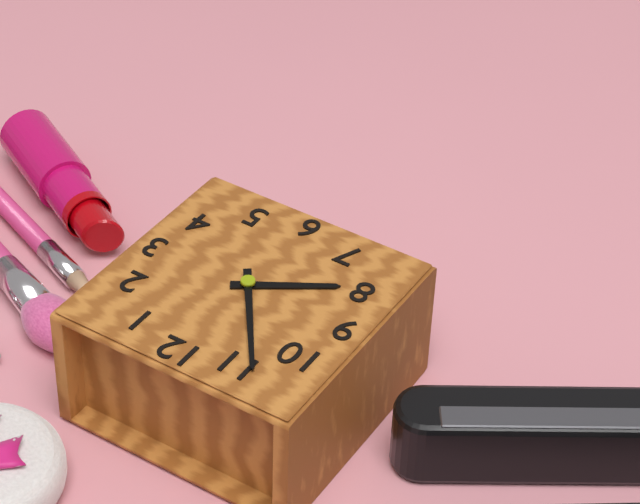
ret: {"hour": 7, "minute": 54}
